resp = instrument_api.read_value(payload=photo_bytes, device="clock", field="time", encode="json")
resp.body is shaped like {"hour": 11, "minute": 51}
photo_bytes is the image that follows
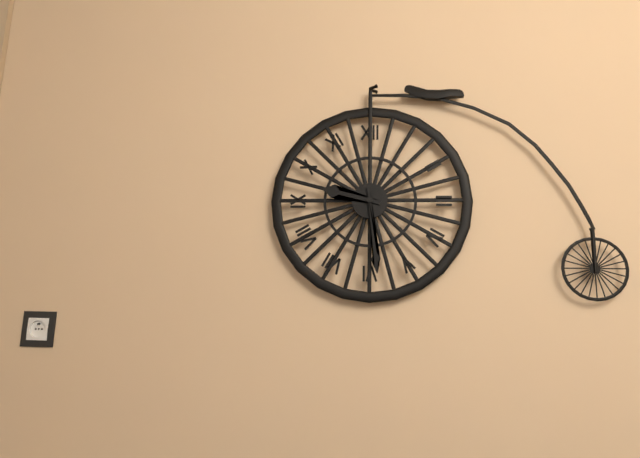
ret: {"hour": 9, "minute": 29}
